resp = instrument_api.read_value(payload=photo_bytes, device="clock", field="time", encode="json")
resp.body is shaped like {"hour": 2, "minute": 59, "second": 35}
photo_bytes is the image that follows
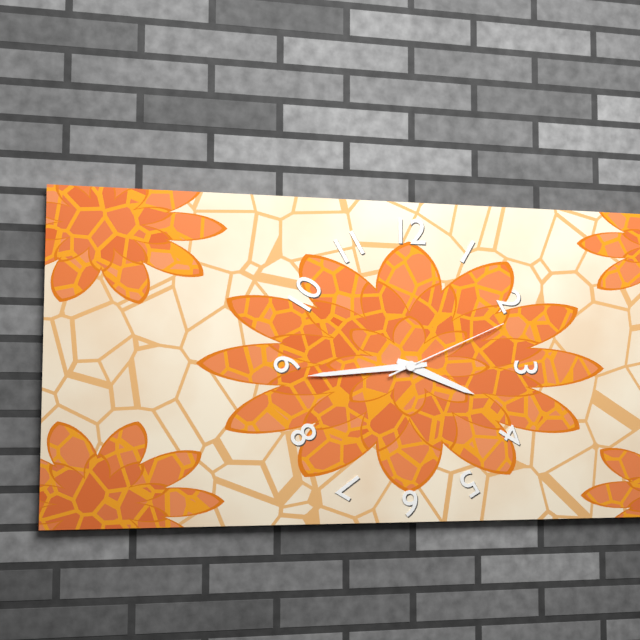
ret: {"hour": 3, "minute": 44, "second": 11}
